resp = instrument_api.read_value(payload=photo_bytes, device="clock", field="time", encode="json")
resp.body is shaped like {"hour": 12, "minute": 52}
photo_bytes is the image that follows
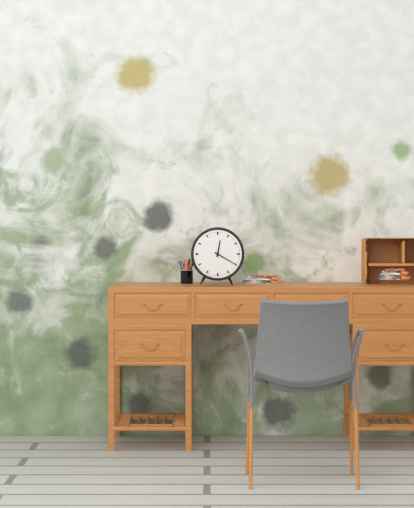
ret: {"hour": 12, "minute": 20}
